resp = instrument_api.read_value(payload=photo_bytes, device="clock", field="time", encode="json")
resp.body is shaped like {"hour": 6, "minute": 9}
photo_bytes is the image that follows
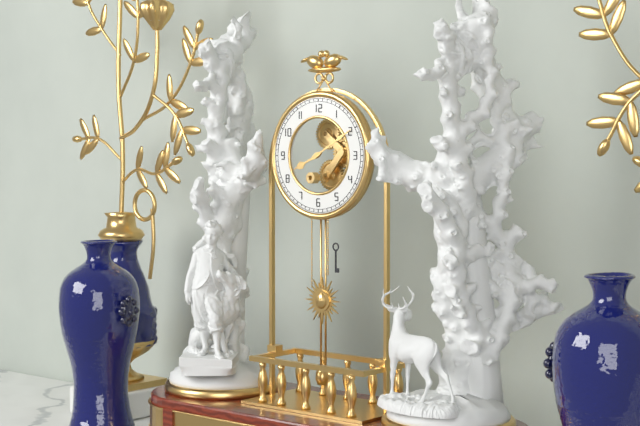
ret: {"hour": 8, "minute": 10}
